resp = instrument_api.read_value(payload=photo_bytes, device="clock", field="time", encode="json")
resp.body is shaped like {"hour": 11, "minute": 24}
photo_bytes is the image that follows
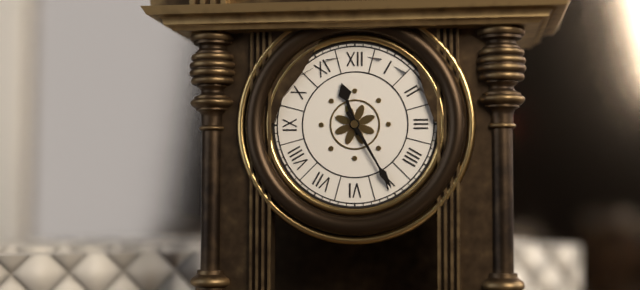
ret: {"hour": 11, "minute": 25}
